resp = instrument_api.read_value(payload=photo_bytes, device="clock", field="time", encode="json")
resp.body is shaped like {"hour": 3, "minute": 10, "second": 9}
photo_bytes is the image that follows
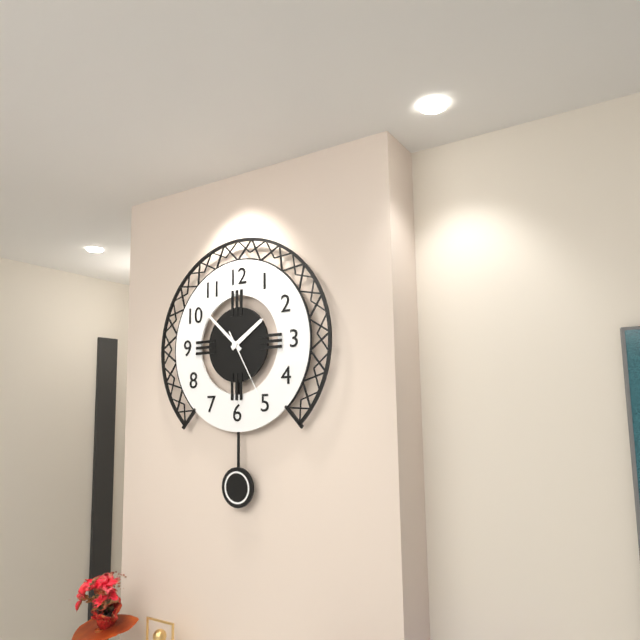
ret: {"hour": 1, "minute": 52, "second": 25}
